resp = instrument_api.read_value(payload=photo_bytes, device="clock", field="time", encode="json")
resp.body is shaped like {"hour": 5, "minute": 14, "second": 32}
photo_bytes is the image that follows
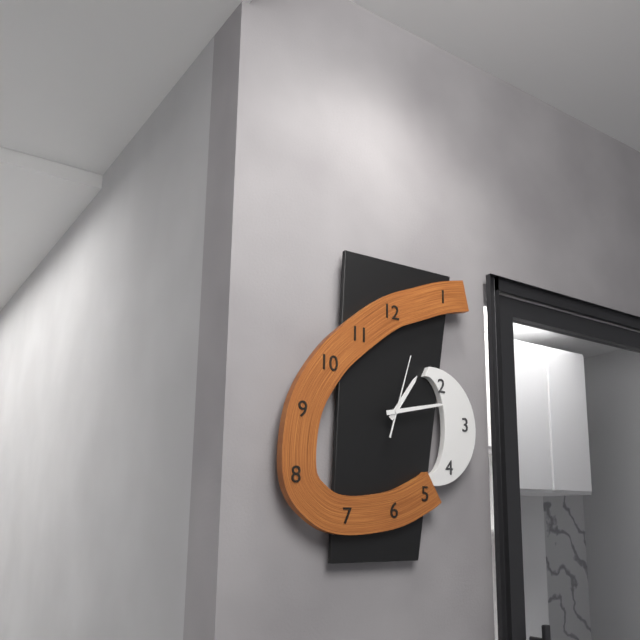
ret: {"hour": 1, "minute": 13, "second": 3}
